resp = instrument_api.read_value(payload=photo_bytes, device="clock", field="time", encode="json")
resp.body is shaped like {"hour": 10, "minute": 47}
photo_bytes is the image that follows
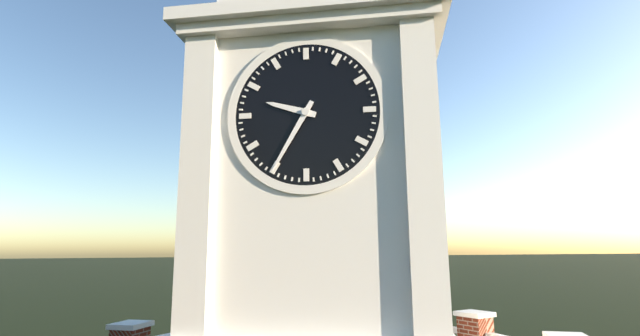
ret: {"hour": 9, "minute": 35}
